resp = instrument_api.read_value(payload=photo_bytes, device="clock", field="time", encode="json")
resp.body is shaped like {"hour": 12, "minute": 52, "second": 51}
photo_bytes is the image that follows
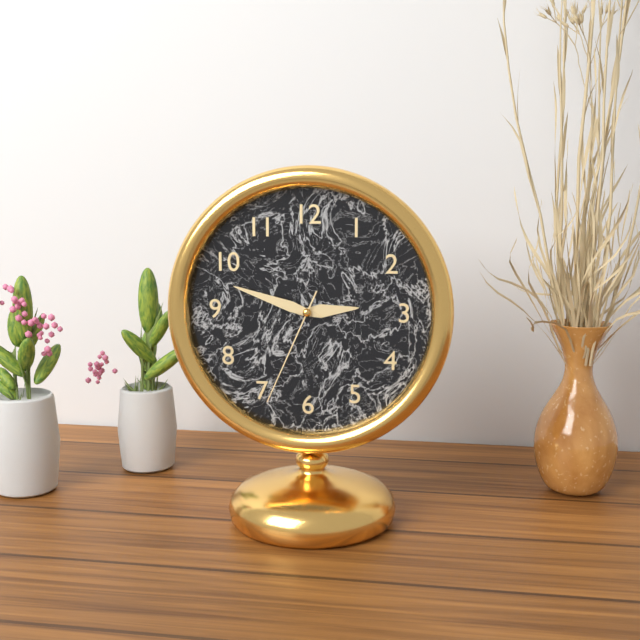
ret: {"hour": 2, "minute": 48, "second": 34}
